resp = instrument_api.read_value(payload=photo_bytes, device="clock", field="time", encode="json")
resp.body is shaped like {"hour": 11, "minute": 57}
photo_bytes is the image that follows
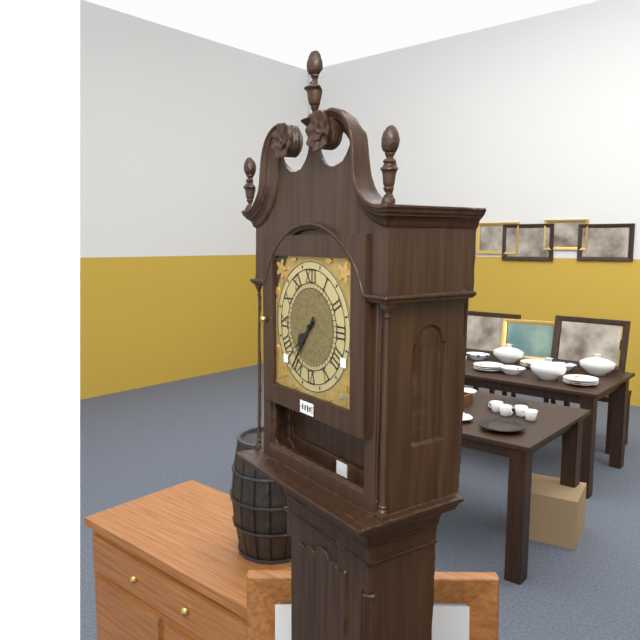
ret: {"hour": 7, "minute": 36}
